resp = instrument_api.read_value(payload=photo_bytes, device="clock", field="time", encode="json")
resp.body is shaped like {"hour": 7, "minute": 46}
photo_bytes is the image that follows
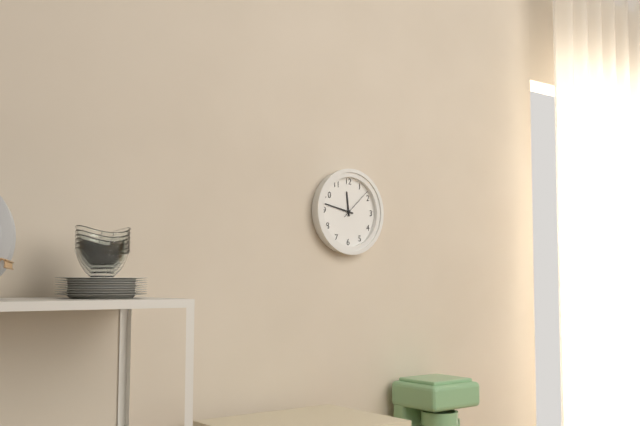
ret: {"hour": 11, "minute": 47}
